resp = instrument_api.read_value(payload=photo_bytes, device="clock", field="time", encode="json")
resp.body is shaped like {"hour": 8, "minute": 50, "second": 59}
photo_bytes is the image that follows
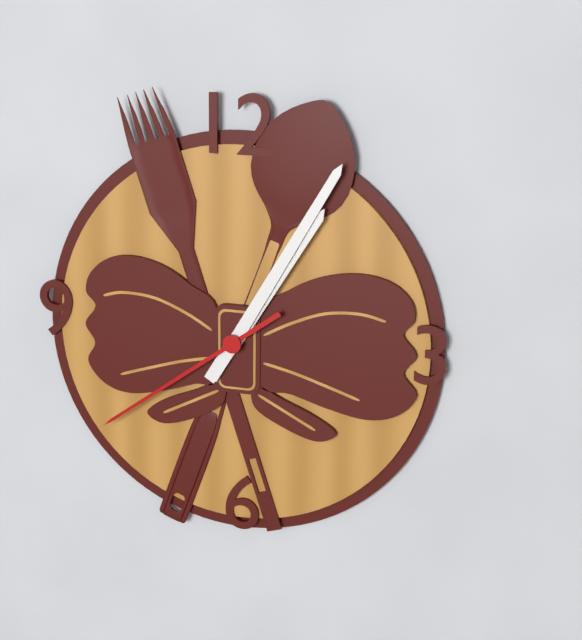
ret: {"hour": 1, "minute": 5, "second": 39}
